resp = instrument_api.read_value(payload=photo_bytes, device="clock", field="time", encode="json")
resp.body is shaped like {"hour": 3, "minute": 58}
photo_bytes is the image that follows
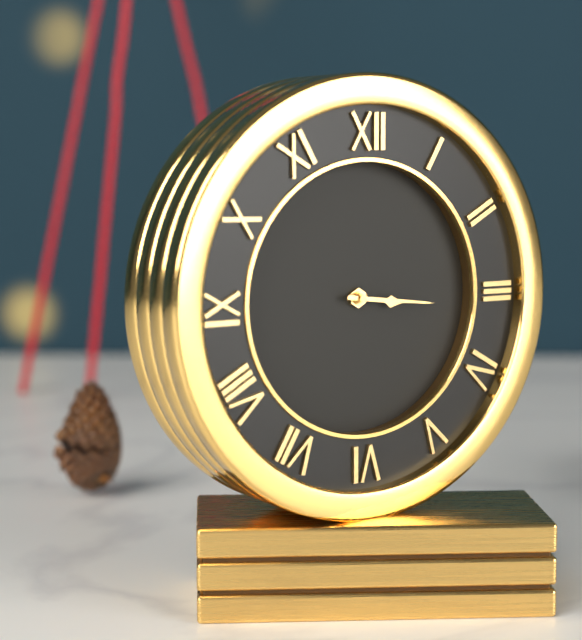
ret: {"hour": 3, "minute": 16}
